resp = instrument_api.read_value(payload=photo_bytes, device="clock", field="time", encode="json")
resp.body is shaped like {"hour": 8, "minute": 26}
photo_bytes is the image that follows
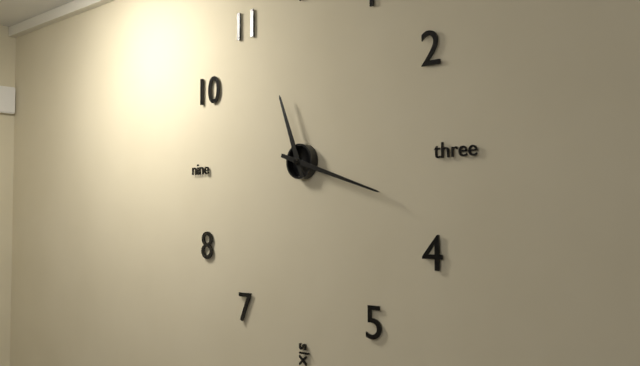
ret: {"hour": 11, "minute": 18}
